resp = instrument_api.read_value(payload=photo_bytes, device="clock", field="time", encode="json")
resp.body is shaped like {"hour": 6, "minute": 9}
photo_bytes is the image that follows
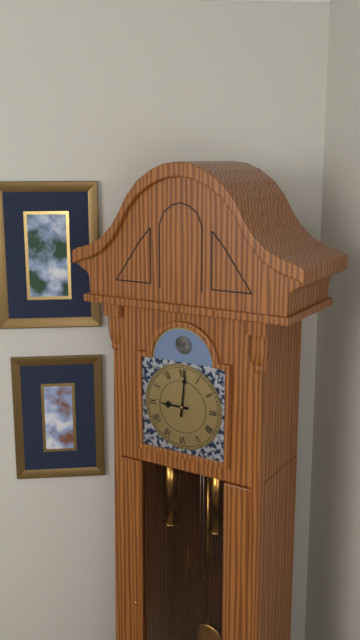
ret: {"hour": 9, "minute": 1}
